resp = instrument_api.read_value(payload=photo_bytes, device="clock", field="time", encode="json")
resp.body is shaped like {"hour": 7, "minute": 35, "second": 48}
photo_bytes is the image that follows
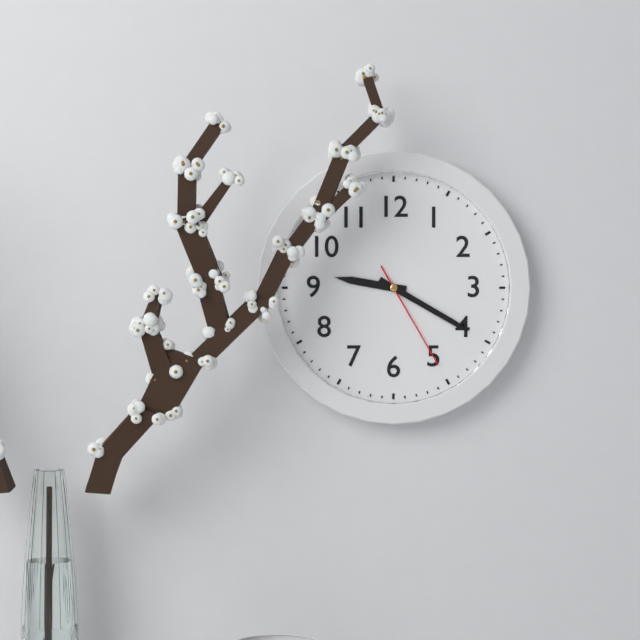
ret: {"hour": 9, "minute": 20, "second": 25}
